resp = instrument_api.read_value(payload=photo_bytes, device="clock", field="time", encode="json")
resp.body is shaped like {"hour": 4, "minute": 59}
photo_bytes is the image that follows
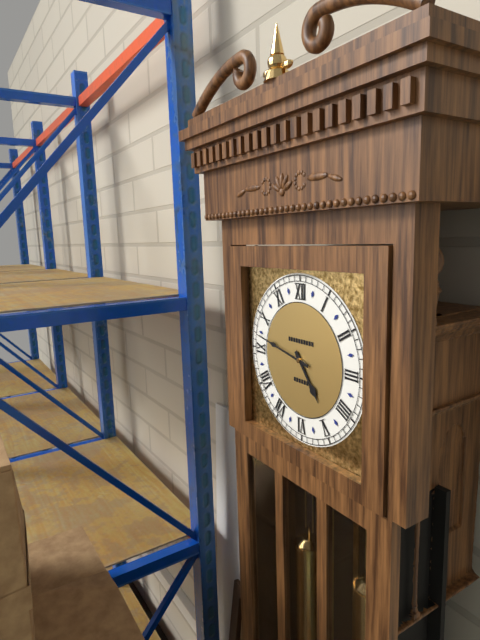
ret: {"hour": 4, "minute": 47}
